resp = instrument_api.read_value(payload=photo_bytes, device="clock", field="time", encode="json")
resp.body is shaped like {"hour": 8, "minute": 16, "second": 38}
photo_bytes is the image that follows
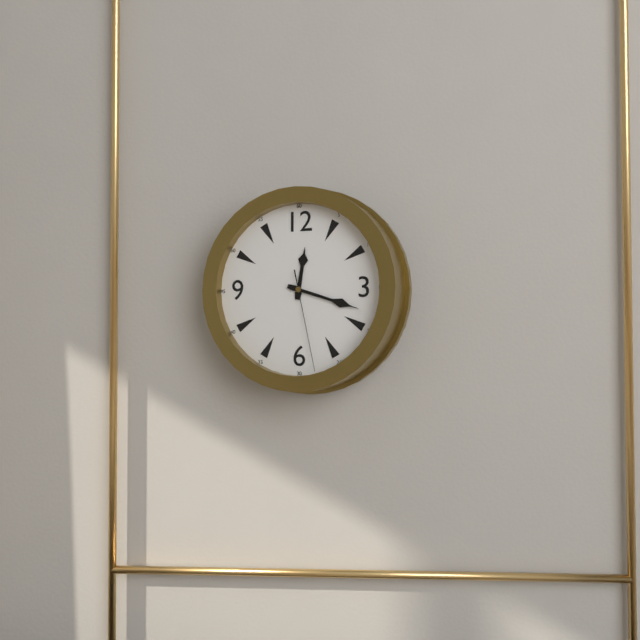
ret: {"hour": 12, "minute": 18, "second": 28}
